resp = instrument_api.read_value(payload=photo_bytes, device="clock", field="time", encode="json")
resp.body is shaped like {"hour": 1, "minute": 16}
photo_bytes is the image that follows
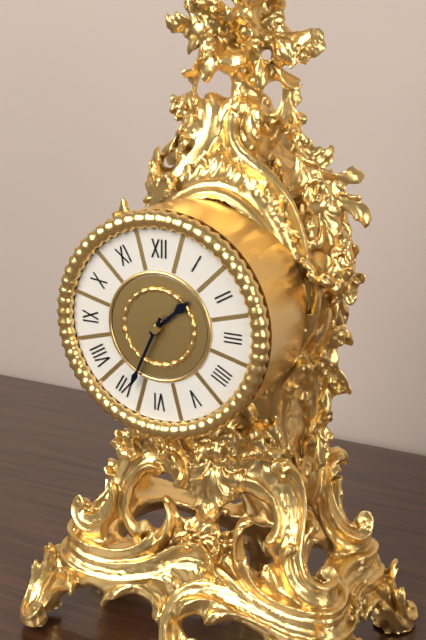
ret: {"hour": 1, "minute": 34}
